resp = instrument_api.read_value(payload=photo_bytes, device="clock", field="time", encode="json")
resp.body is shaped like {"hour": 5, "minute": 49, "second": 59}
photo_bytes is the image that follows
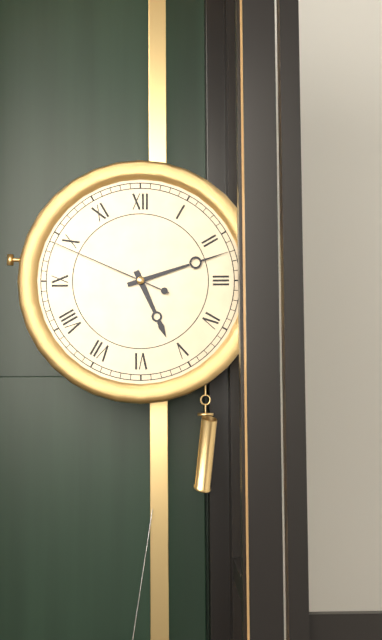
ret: {"hour": 5, "minute": 12, "second": 49}
